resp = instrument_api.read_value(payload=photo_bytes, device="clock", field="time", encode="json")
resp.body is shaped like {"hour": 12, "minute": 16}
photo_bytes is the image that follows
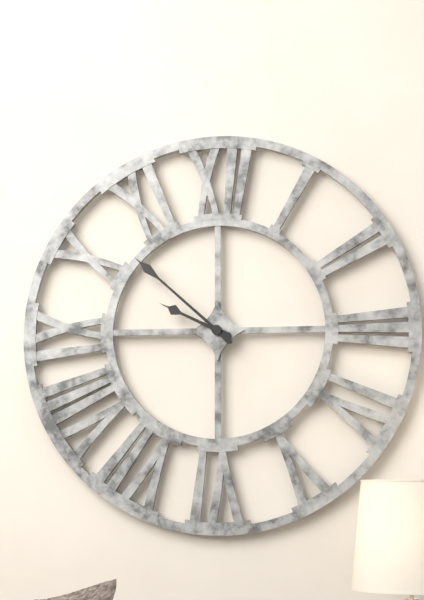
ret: {"hour": 9, "minute": 52}
